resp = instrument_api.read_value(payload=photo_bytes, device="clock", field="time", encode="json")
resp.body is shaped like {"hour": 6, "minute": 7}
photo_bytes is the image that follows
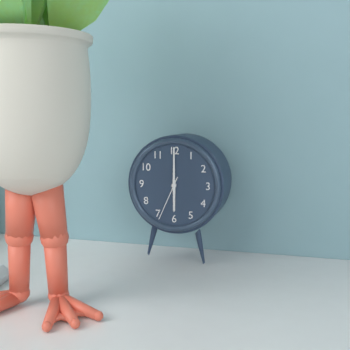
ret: {"hour": 6, "minute": 0}
